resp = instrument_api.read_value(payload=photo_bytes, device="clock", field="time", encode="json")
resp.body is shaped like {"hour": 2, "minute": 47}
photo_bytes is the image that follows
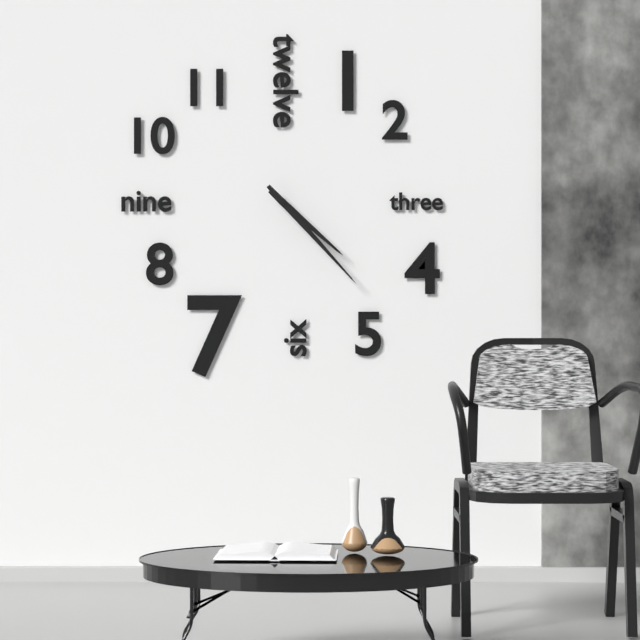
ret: {"hour": 4, "minute": 23}
